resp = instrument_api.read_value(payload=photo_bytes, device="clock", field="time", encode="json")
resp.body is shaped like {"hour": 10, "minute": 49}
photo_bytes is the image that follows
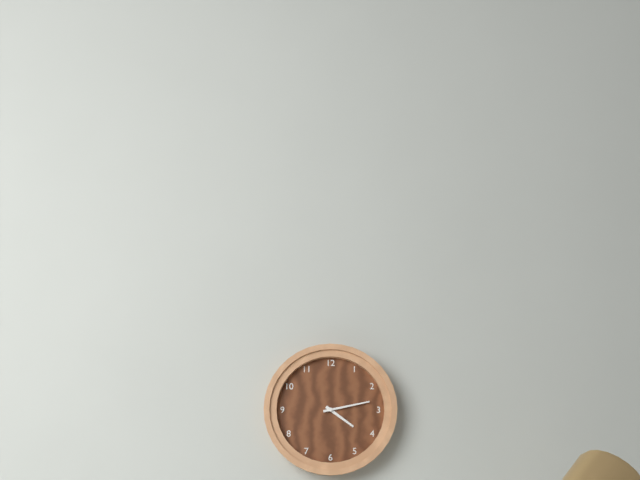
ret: {"hour": 4, "minute": 13}
